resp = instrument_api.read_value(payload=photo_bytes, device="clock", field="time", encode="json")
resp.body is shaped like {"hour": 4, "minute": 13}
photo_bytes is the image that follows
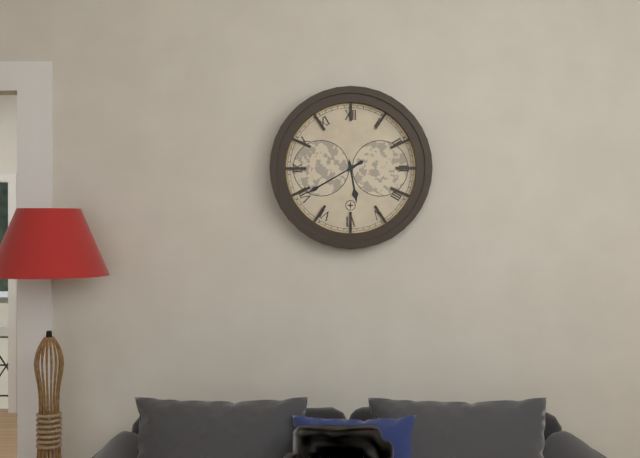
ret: {"hour": 5, "minute": 40}
